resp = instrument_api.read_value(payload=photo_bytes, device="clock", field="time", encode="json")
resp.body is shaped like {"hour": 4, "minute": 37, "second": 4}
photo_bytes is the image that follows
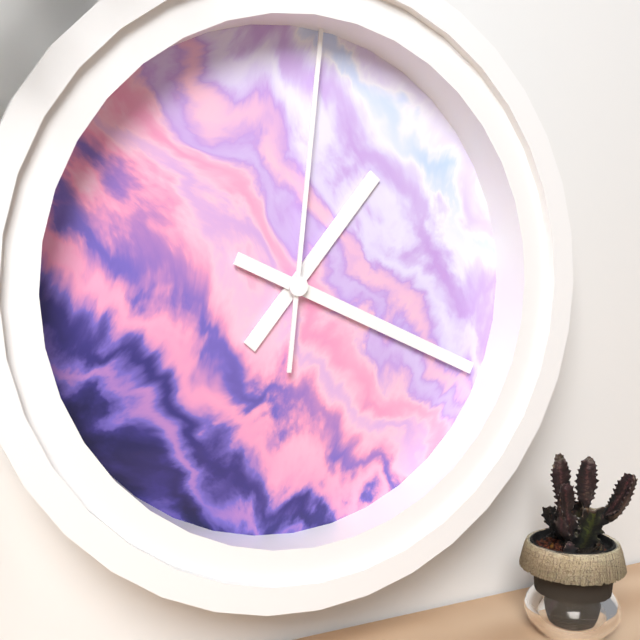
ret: {"hour": 1, "minute": 19, "second": 1}
